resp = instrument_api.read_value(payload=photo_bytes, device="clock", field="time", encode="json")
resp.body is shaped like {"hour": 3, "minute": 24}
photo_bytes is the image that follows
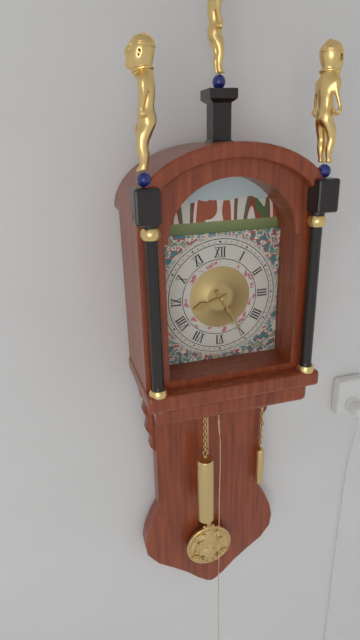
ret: {"hour": 8, "minute": 25}
